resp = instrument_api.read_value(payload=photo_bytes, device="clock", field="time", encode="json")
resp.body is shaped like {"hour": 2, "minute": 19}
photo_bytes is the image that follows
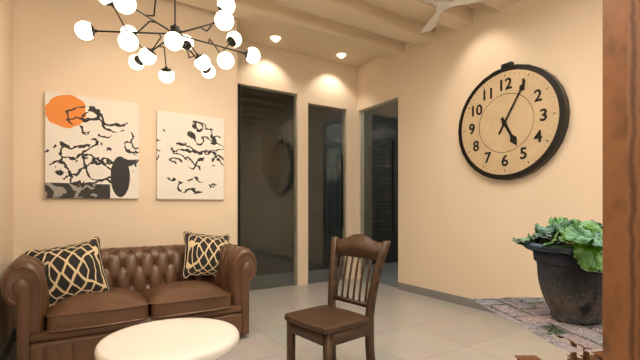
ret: {"hour": 5, "minute": 5}
